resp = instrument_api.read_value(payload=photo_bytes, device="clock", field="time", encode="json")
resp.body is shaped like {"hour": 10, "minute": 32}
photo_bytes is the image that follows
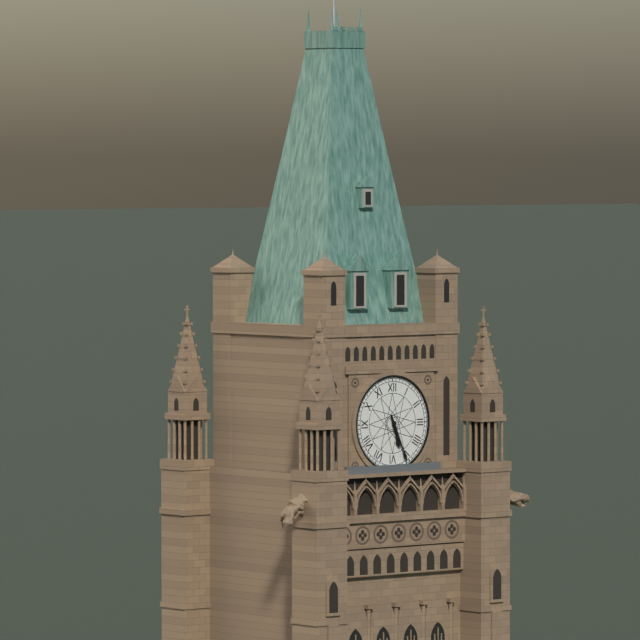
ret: {"hour": 5, "minute": 26}
